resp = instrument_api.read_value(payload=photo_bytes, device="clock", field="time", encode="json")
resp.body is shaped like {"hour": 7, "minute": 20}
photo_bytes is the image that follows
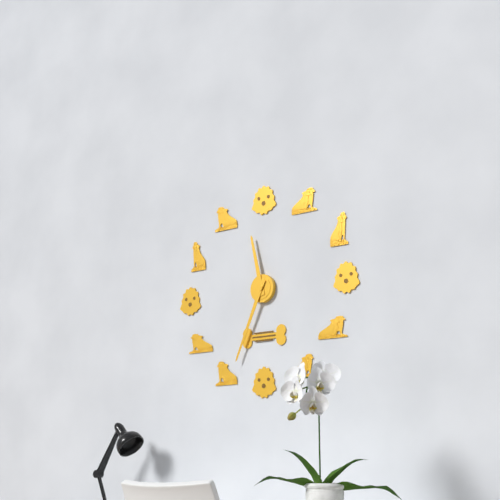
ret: {"hour": 11, "minute": 34}
